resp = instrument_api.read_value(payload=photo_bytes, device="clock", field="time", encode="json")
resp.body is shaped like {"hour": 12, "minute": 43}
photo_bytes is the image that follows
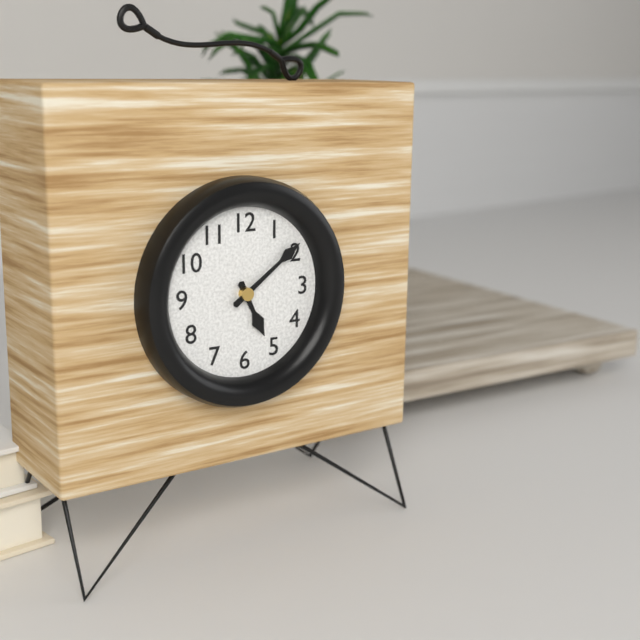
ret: {"hour": 5, "minute": 9}
